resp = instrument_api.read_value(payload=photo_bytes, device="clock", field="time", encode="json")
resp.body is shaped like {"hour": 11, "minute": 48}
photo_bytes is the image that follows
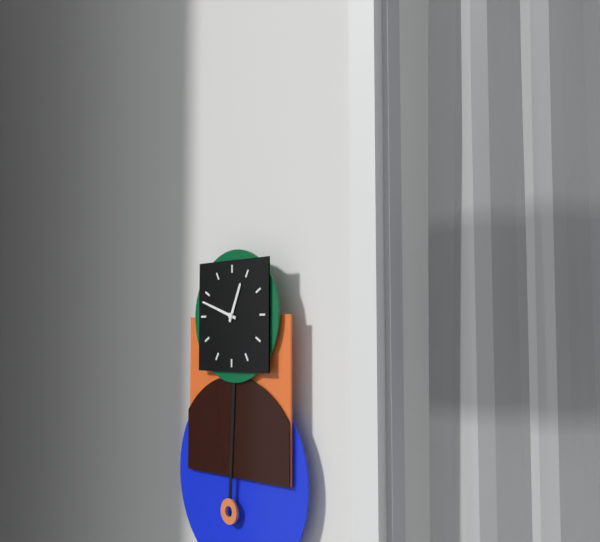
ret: {"hour": 12, "minute": 48}
